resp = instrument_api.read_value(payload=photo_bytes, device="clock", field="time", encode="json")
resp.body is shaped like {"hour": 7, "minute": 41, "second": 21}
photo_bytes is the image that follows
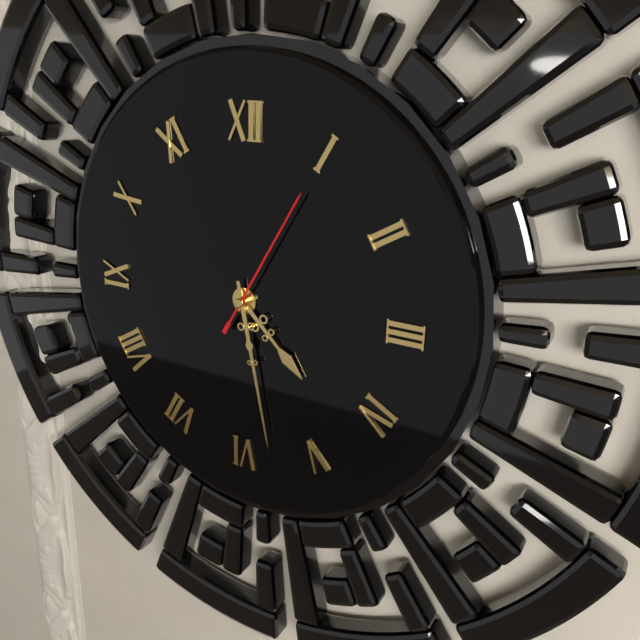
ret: {"hour": 4, "minute": 28, "second": 5}
